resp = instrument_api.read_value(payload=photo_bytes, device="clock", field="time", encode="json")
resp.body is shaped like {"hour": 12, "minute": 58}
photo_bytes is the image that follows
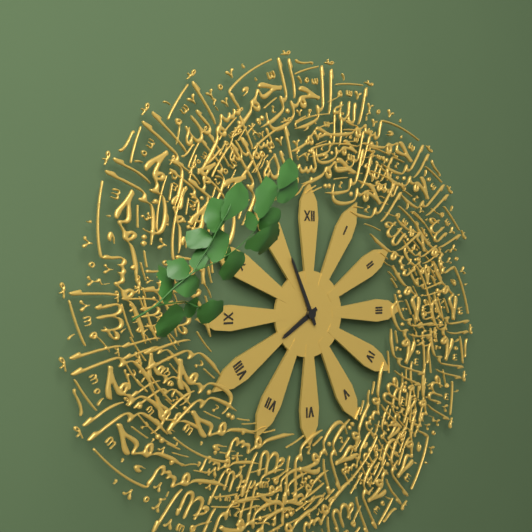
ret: {"hour": 7, "minute": 56}
